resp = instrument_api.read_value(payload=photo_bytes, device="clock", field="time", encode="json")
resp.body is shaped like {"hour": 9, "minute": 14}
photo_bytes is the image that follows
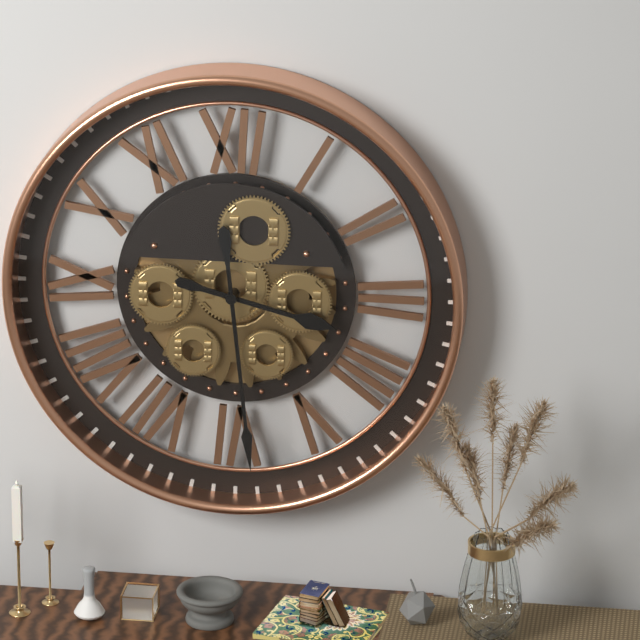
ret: {"hour": 3, "minute": 29}
